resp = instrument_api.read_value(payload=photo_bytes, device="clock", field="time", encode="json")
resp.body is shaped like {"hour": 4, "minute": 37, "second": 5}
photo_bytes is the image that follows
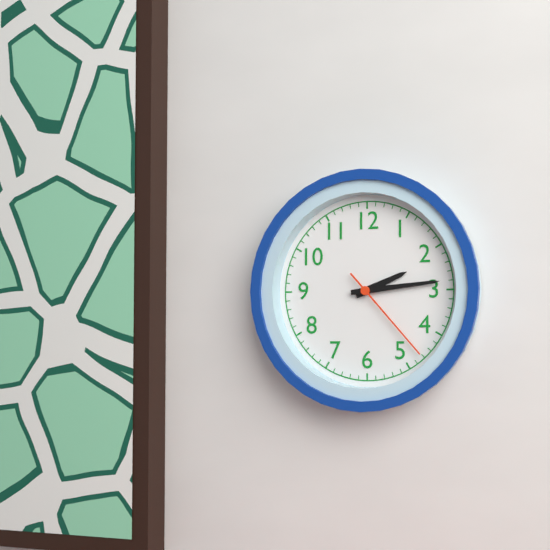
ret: {"hour": 2, "minute": 14, "second": 23}
